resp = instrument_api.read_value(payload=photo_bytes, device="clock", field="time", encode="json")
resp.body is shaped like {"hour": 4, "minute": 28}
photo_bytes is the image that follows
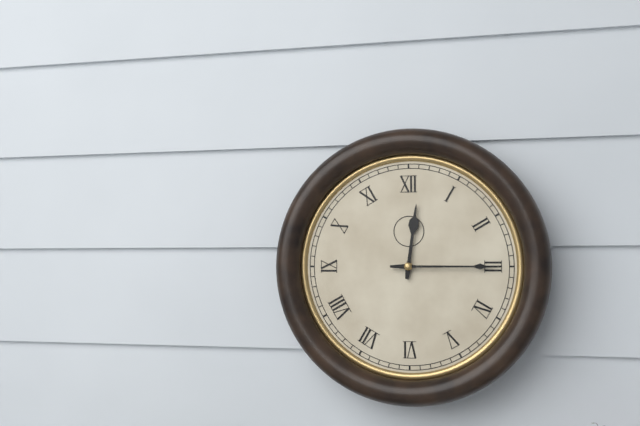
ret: {"hour": 12, "minute": 15}
